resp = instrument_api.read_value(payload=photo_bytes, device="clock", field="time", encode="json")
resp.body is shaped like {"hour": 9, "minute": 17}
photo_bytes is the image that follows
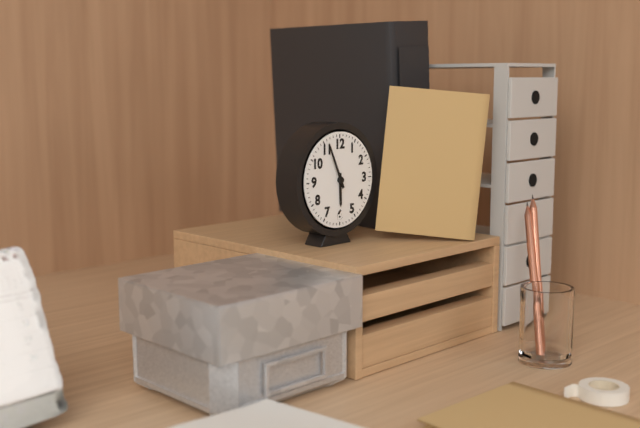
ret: {"hour": 5, "minute": 56}
